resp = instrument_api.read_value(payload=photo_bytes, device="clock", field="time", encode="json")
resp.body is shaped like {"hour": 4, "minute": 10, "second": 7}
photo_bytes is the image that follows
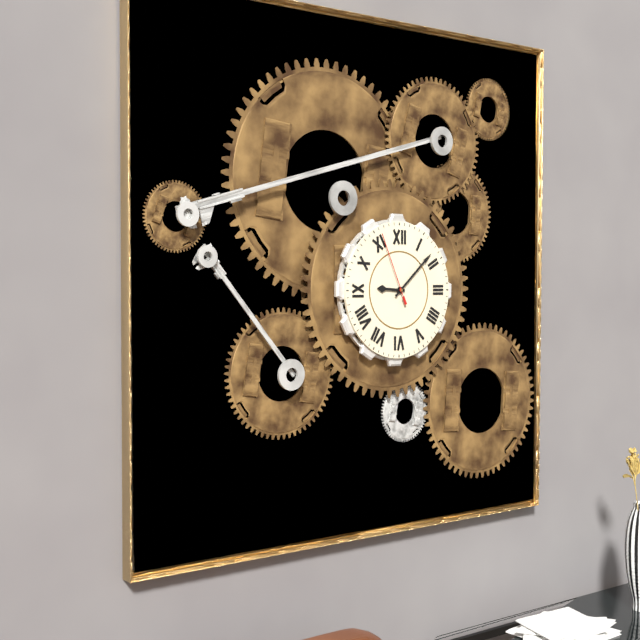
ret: {"hour": 9, "minute": 8, "second": 56}
